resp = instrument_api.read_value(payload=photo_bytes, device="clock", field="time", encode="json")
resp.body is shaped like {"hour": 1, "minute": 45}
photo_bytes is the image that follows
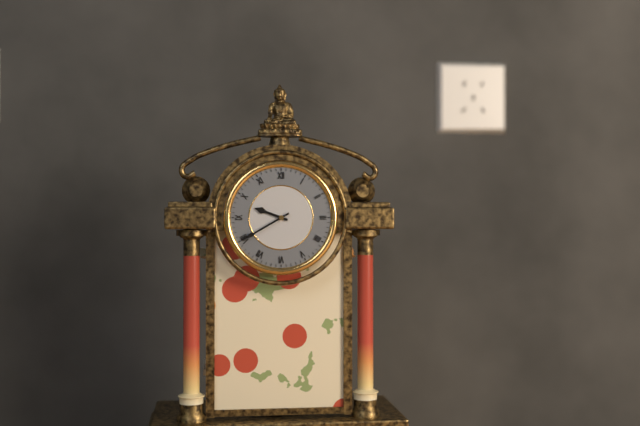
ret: {"hour": 9, "minute": 40}
